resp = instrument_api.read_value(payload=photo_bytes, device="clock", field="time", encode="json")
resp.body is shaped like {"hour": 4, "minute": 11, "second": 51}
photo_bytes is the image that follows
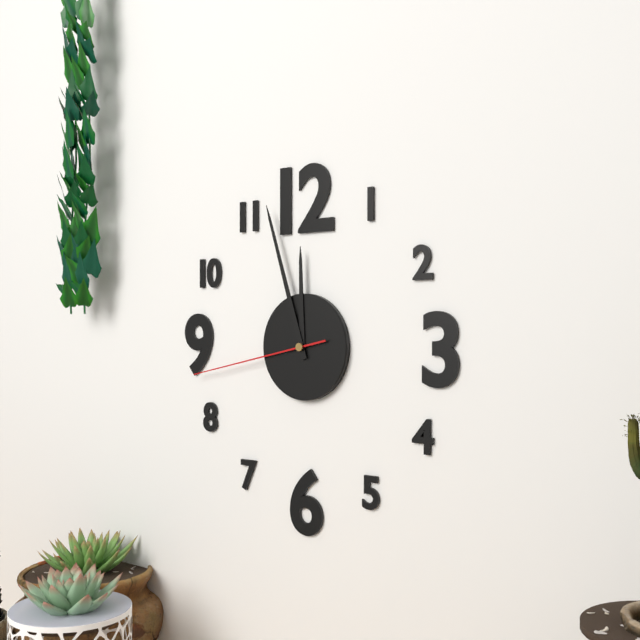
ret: {"hour": 11, "minute": 57, "second": 43}
